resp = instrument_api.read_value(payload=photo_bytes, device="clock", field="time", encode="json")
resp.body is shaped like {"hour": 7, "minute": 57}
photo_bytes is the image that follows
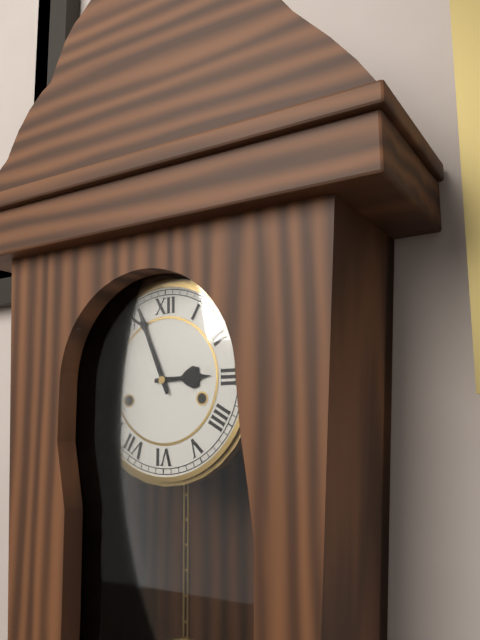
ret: {"hour": 2, "minute": 56}
